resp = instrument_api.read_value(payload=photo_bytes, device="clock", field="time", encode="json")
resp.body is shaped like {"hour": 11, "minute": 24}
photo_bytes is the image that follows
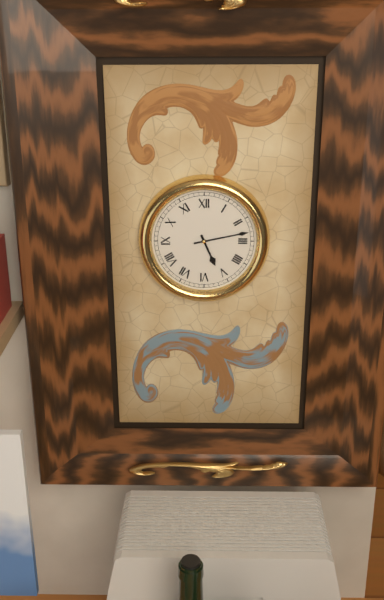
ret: {"hour": 5, "minute": 13}
